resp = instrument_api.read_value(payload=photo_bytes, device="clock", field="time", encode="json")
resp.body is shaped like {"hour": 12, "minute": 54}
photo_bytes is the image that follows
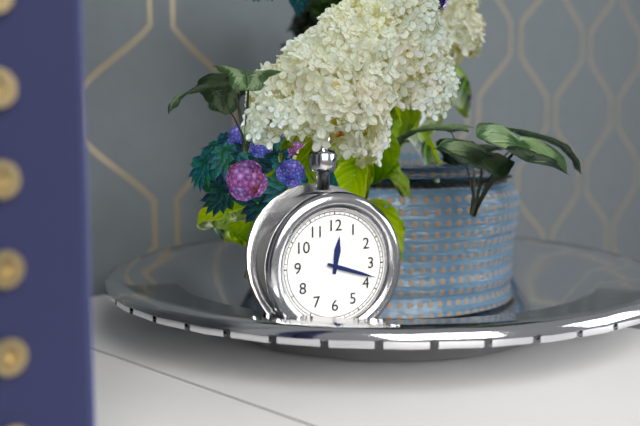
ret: {"hour": 12, "minute": 18}
